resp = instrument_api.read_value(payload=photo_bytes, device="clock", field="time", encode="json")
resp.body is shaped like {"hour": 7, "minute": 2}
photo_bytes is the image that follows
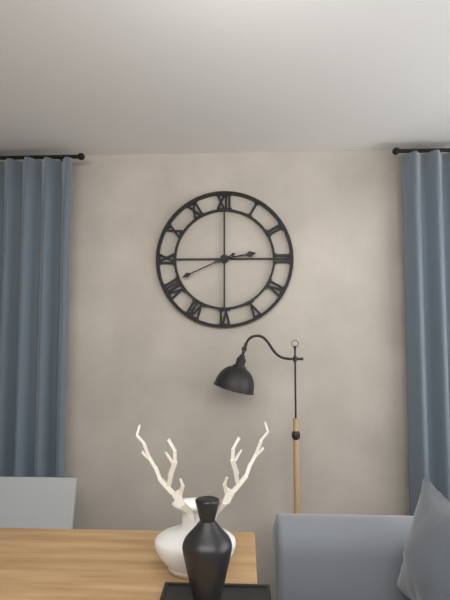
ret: {"hour": 2, "minute": 41}
